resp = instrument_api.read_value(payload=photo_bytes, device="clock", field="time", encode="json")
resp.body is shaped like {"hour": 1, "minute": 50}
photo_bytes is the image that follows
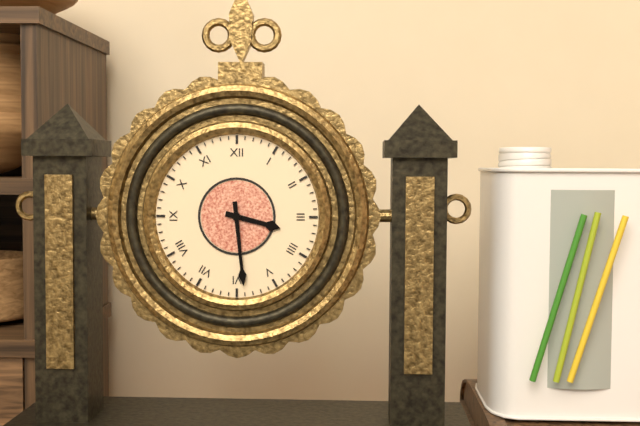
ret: {"hour": 3, "minute": 29}
